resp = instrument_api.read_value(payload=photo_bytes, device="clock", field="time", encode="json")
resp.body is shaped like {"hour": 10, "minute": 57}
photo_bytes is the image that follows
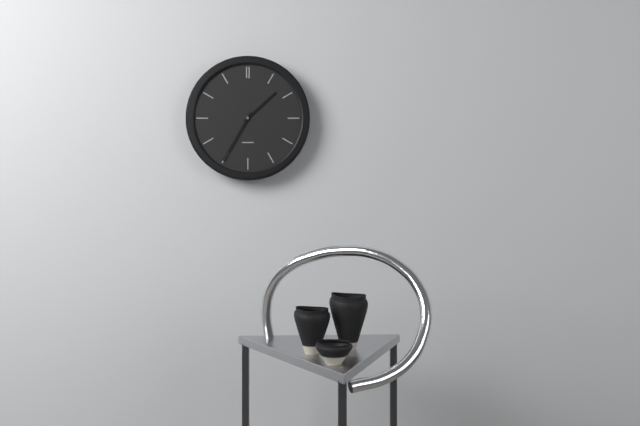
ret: {"hour": 1, "minute": 35}
